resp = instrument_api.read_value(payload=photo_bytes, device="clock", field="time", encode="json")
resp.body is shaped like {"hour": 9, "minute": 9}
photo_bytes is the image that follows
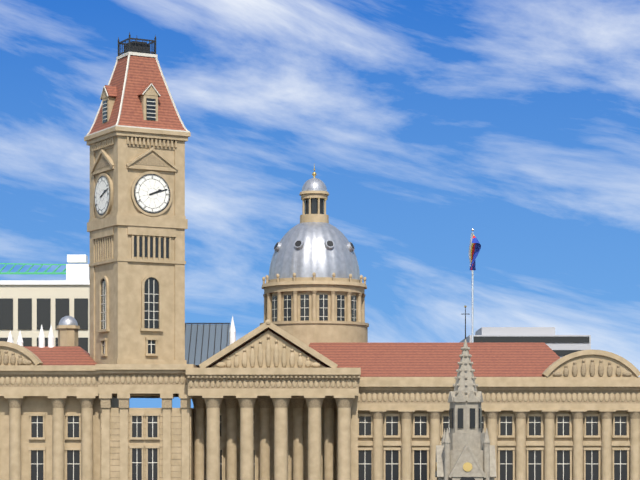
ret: {"hour": 2, "minute": 12}
